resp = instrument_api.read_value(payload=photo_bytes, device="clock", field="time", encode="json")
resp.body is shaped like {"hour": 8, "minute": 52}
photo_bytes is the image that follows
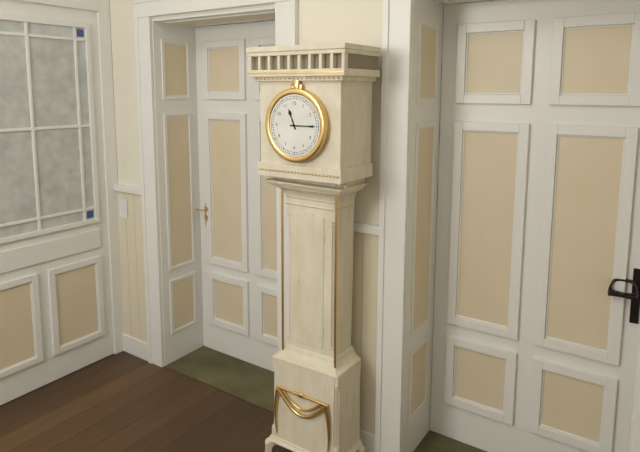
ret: {"hour": 11, "minute": 15}
